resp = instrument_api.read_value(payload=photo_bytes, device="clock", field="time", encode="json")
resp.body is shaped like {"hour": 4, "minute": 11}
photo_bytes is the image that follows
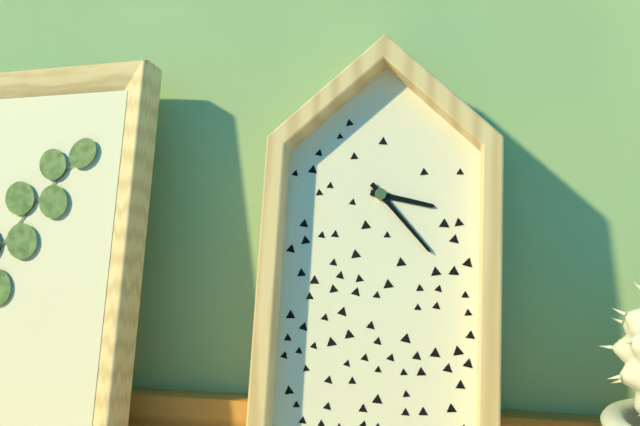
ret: {"hour": 3, "minute": 23}
